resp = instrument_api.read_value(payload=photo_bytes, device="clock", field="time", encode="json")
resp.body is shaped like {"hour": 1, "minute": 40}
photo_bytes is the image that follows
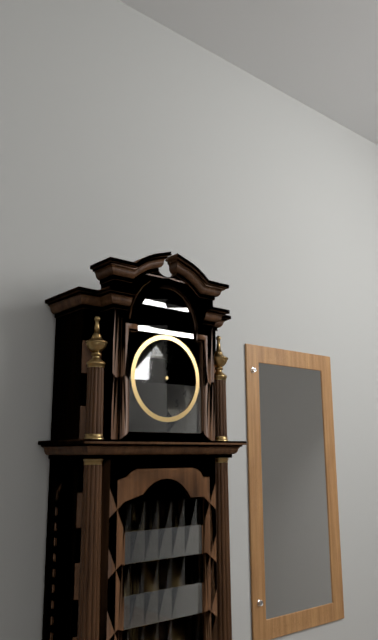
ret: {"hour": 3, "minute": 4}
